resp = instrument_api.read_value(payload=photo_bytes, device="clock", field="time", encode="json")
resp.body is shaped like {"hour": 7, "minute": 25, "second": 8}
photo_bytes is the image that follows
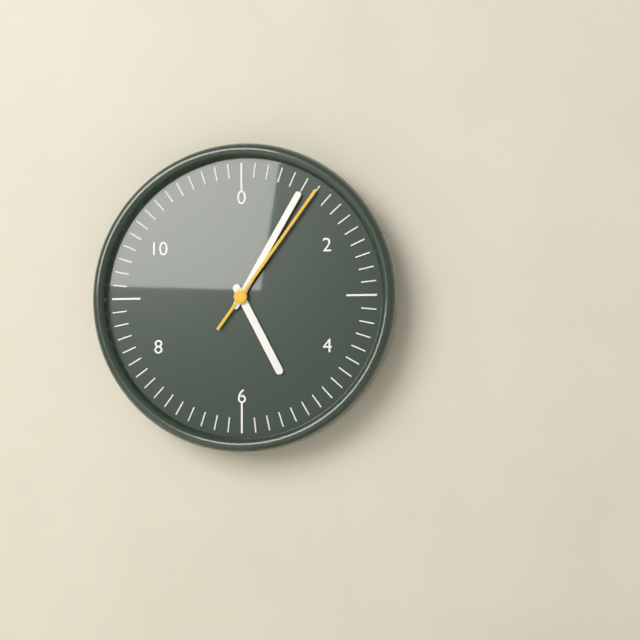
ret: {"hour": 5, "minute": 5, "second": 6}
